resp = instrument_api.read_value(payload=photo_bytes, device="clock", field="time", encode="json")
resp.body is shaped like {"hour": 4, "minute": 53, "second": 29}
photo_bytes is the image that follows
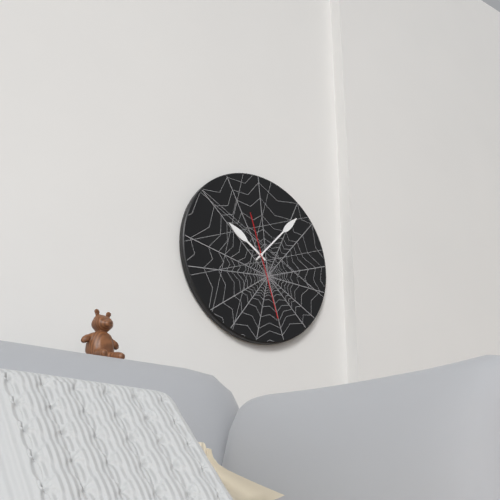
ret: {"hour": 10, "minute": 7, "second": 27}
